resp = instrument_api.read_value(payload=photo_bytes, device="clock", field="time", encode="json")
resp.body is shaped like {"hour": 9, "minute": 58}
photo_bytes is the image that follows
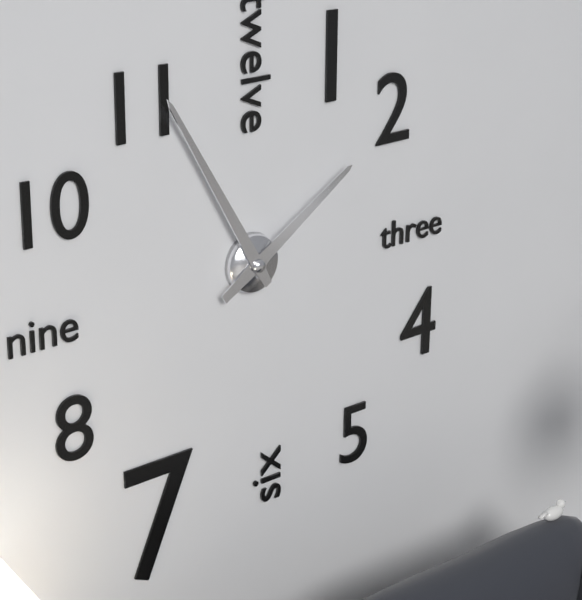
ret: {"hour": 1, "minute": 55}
